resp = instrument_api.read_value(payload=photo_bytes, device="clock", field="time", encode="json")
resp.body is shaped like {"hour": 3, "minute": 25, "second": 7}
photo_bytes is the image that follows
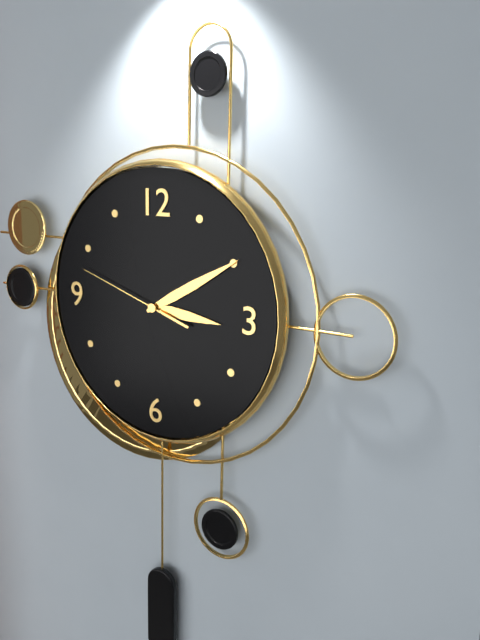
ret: {"hour": 3, "minute": 10, "second": 48}
